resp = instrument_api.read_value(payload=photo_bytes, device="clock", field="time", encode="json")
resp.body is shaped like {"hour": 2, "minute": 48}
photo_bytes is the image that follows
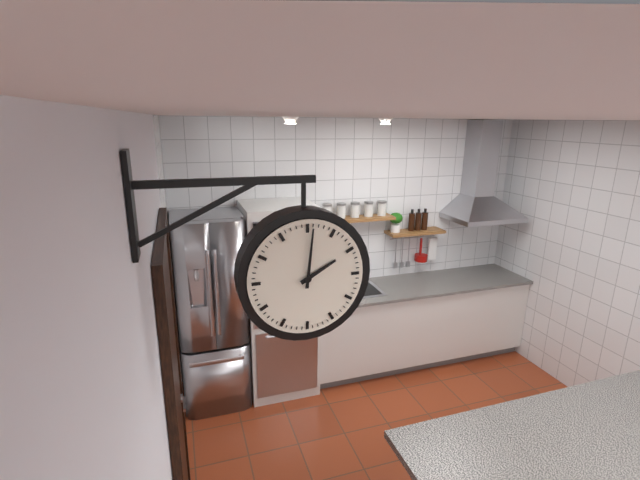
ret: {"hour": 2, "minute": 1}
